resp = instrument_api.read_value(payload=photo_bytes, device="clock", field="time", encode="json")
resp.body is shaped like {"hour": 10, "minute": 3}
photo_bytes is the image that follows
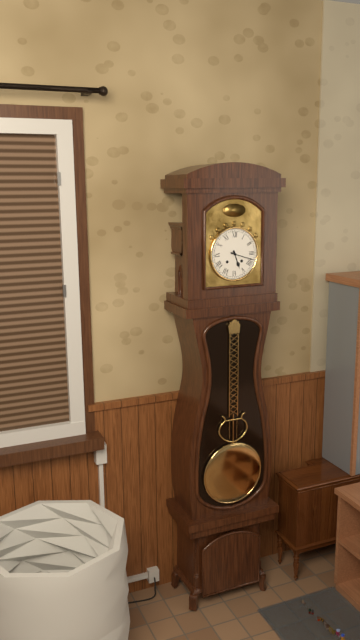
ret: {"hour": 5, "minute": 18}
